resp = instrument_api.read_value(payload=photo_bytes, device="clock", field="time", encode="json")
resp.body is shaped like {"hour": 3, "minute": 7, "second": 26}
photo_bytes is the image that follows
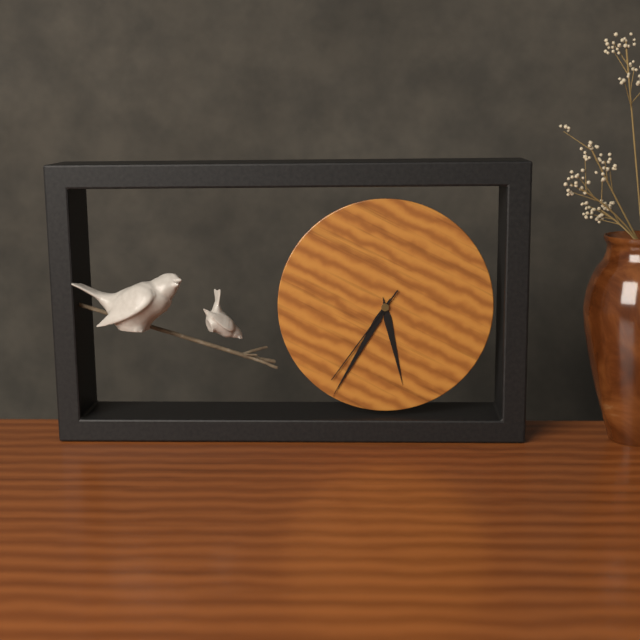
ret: {"hour": 5, "minute": 35, "second": 36}
